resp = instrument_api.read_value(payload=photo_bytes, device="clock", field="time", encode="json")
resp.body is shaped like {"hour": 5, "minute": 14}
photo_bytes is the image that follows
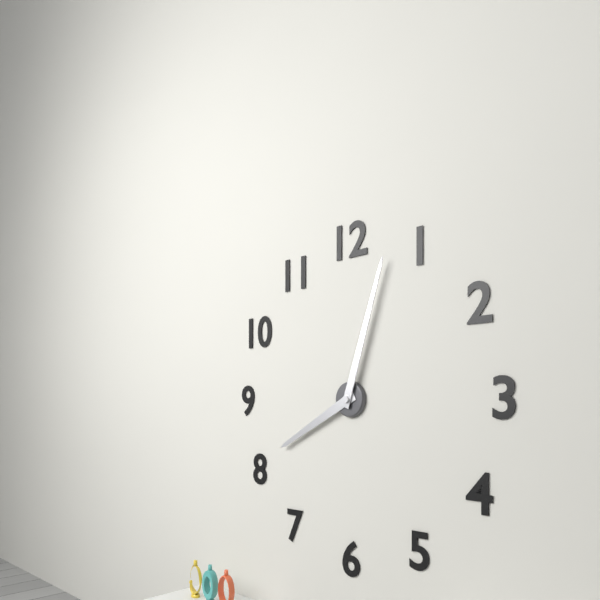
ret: {"hour": 8, "minute": 3}
